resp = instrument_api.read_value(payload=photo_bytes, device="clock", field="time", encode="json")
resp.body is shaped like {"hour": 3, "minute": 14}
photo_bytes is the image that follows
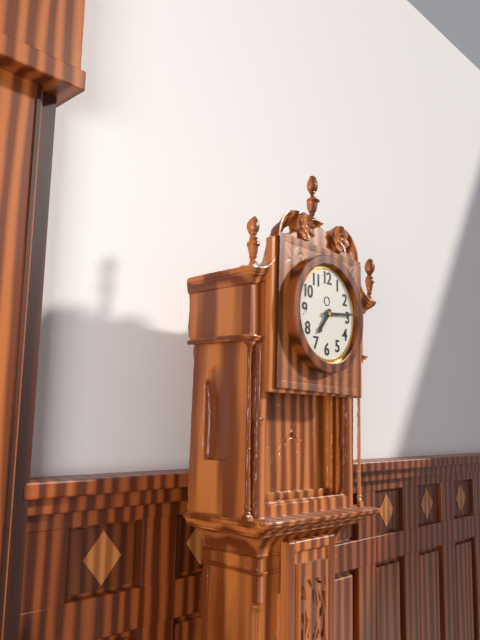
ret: {"hour": 7, "minute": 14}
